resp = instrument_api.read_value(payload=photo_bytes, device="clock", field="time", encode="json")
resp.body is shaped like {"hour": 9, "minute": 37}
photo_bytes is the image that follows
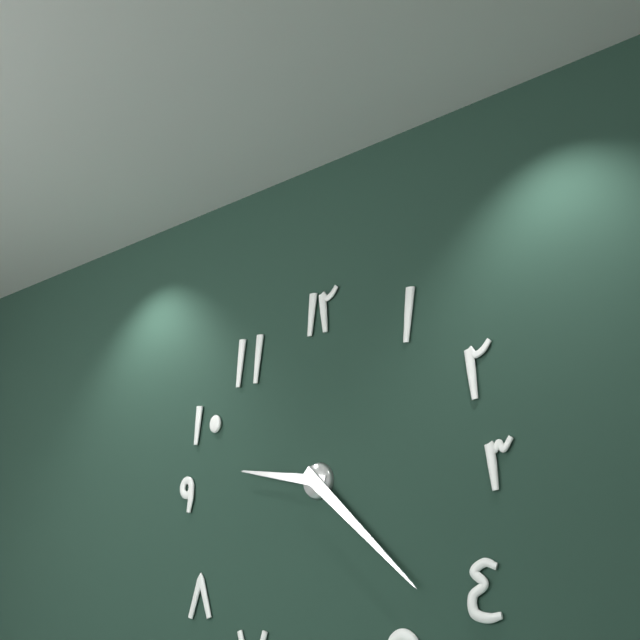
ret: {"hour": 9, "minute": 22}
